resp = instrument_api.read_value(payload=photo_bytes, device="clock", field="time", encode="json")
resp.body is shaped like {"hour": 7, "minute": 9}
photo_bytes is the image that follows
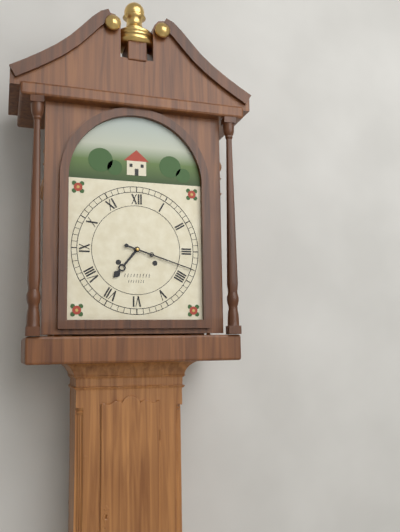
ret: {"hour": 7, "minute": 18}
